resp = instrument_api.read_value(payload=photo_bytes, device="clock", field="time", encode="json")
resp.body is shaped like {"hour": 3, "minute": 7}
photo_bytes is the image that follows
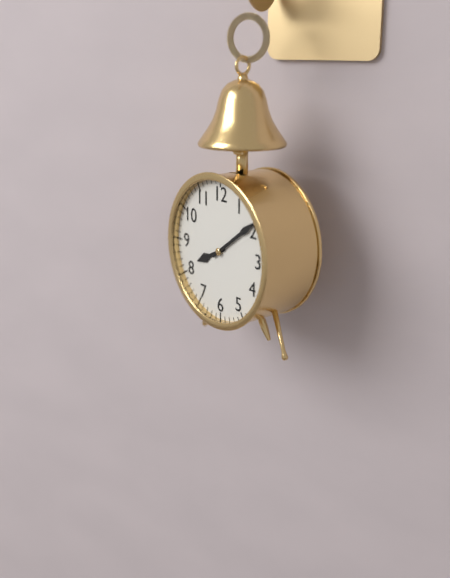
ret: {"hour": 8, "minute": 9}
